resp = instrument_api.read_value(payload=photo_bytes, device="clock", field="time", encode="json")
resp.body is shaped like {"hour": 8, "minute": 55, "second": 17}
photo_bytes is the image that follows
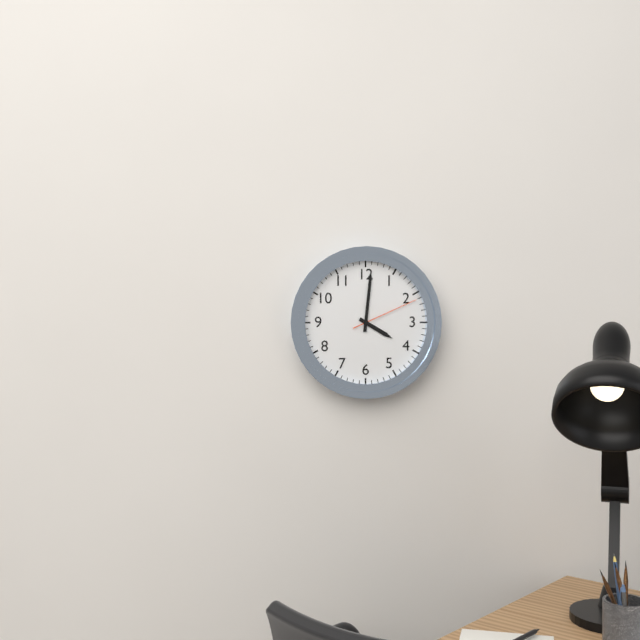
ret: {"hour": 4, "minute": 1, "second": 11}
